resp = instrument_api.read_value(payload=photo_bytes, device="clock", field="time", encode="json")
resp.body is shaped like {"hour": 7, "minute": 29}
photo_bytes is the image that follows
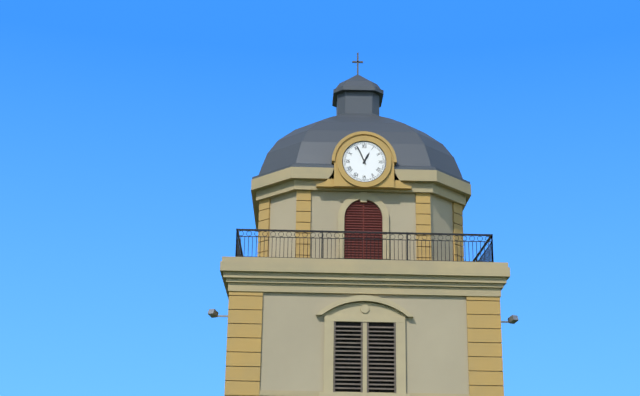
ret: {"hour": 12, "minute": 56}
